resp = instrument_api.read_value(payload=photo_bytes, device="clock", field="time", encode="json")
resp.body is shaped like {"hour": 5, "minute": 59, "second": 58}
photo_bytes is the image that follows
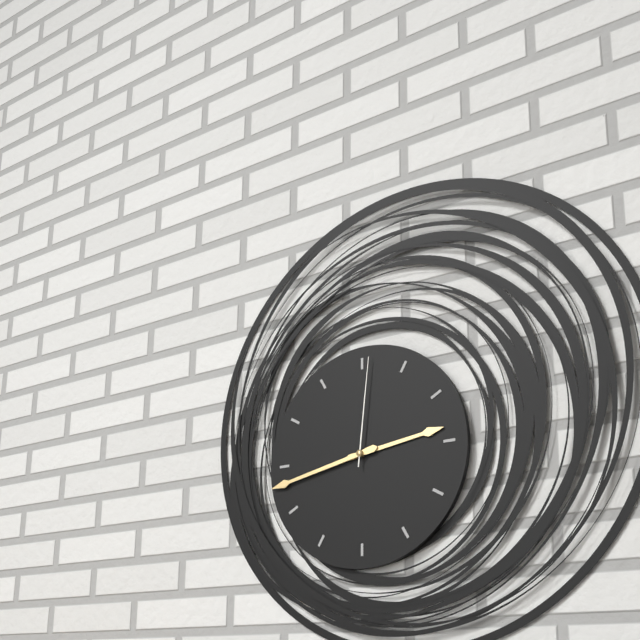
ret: {"hour": 2, "minute": 43, "second": 1}
